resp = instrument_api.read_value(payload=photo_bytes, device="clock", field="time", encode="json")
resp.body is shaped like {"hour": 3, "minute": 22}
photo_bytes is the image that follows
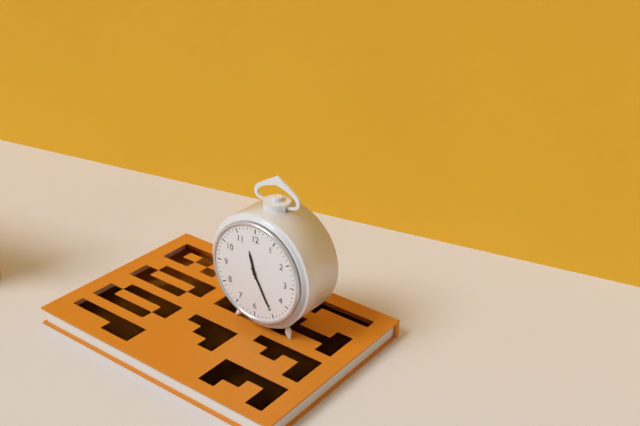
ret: {"hour": 11, "minute": 25}
